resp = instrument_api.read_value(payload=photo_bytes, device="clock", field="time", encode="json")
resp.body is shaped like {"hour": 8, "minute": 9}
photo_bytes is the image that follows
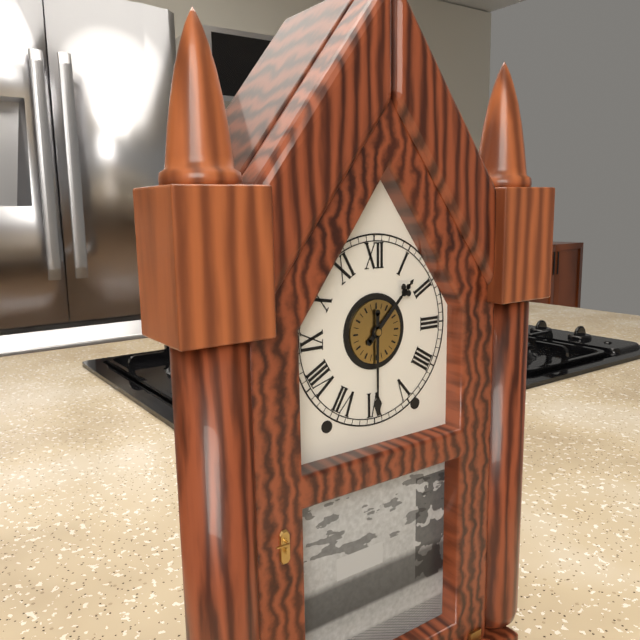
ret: {"hour": 1, "minute": 30}
